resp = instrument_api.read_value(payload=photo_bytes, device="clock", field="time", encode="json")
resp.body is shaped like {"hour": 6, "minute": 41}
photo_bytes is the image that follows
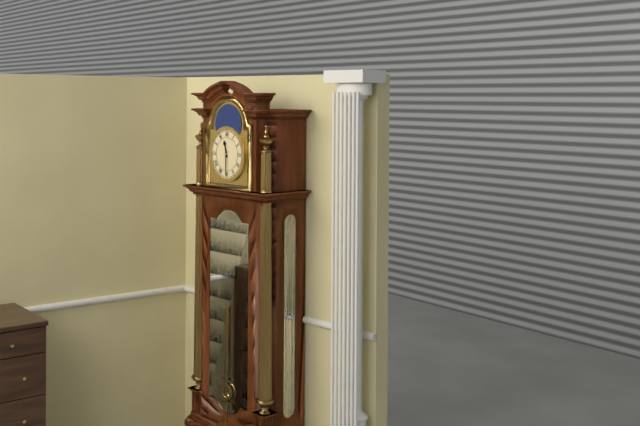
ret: {"hour": 11, "minute": 30}
